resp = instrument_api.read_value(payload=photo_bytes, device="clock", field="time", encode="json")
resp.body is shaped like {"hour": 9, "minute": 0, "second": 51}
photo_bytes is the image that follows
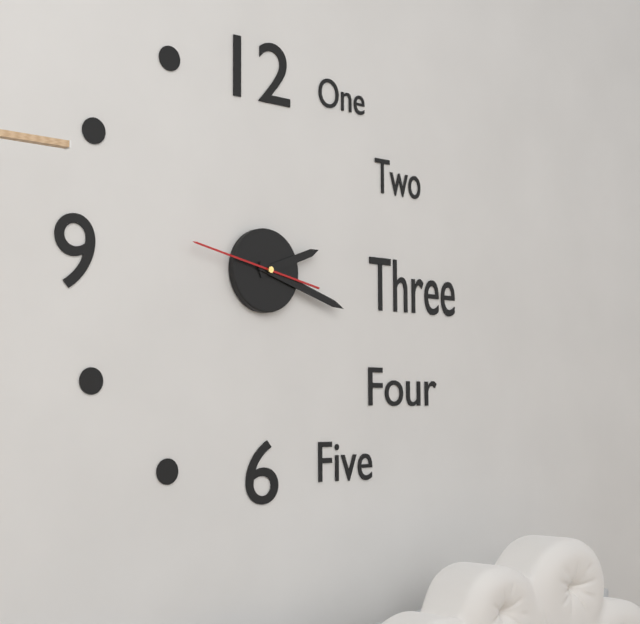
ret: {"hour": 2, "minute": 18, "second": 47}
